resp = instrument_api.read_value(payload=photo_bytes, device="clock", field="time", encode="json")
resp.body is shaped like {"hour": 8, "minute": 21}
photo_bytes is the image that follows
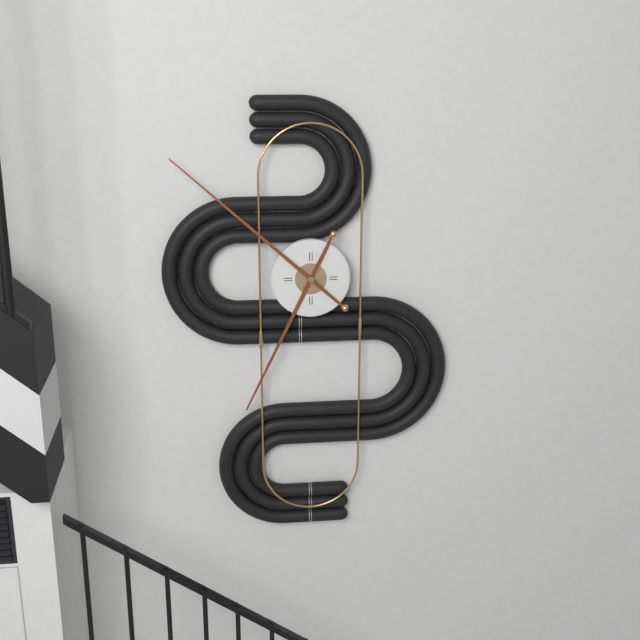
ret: {"hour": 6, "minute": 52}
